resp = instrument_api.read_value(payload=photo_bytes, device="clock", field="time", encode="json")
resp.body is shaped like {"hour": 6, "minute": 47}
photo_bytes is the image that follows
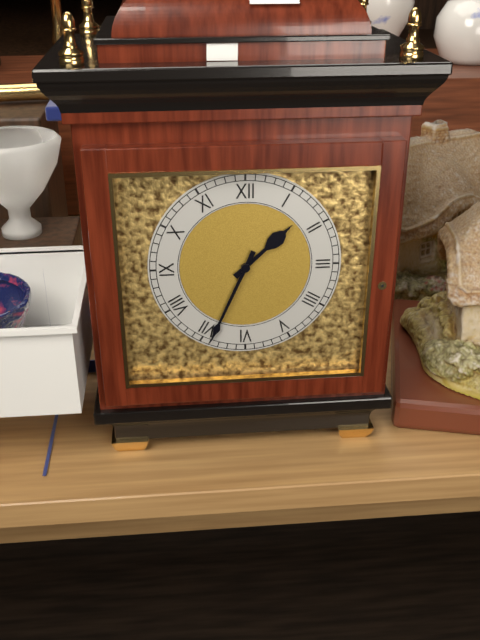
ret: {"hour": 1, "minute": 34}
